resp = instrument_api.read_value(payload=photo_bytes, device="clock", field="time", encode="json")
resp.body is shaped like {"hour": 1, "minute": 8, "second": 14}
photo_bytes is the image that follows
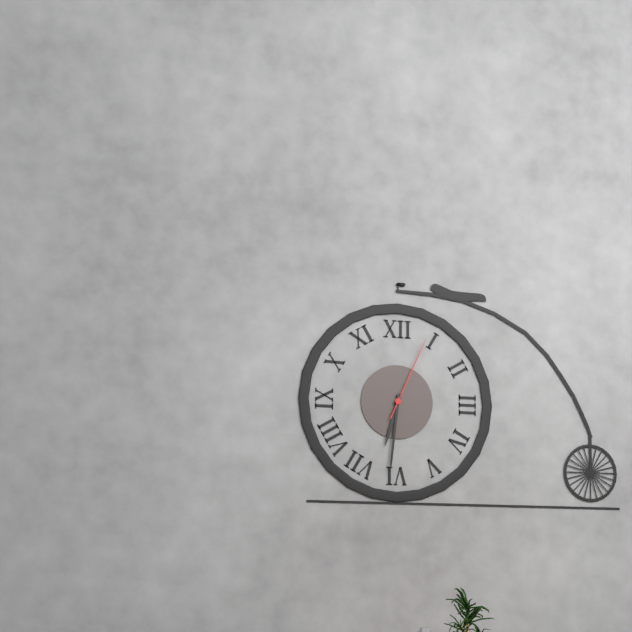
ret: {"hour": 6, "minute": 31, "second": 4}
